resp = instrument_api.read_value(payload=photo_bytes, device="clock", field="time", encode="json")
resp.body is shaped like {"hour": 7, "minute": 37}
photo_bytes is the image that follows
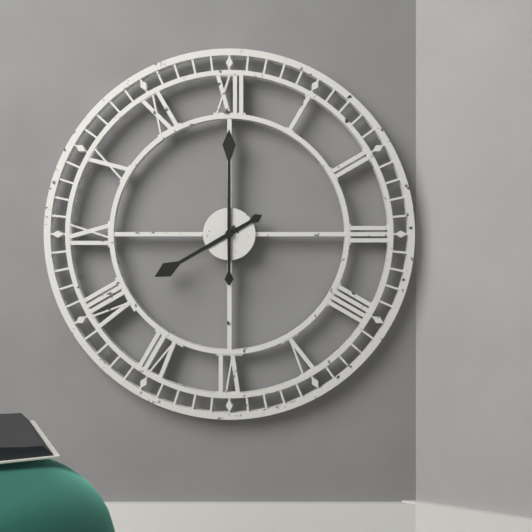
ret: {"hour": 8, "minute": 0}
